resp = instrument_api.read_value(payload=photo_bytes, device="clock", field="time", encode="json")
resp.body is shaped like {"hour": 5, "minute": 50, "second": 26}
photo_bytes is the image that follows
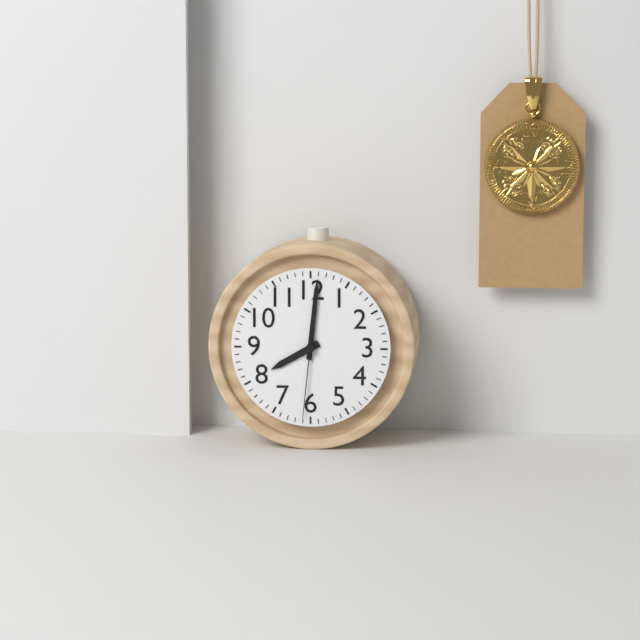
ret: {"hour": 8, "minute": 1, "second": 31}
